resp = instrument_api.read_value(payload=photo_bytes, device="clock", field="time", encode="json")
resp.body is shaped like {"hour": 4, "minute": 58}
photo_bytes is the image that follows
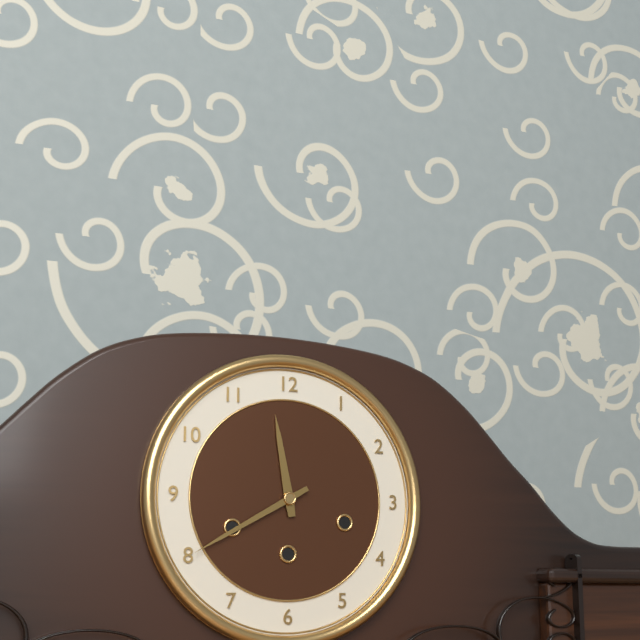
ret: {"hour": 11, "minute": 40}
